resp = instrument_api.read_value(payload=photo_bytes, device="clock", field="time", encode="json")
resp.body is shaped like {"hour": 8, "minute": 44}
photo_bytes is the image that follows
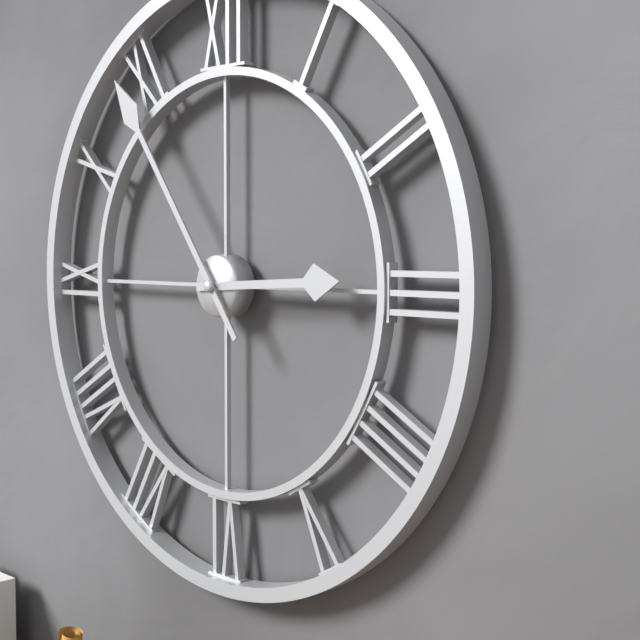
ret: {"hour": 2, "minute": 54}
